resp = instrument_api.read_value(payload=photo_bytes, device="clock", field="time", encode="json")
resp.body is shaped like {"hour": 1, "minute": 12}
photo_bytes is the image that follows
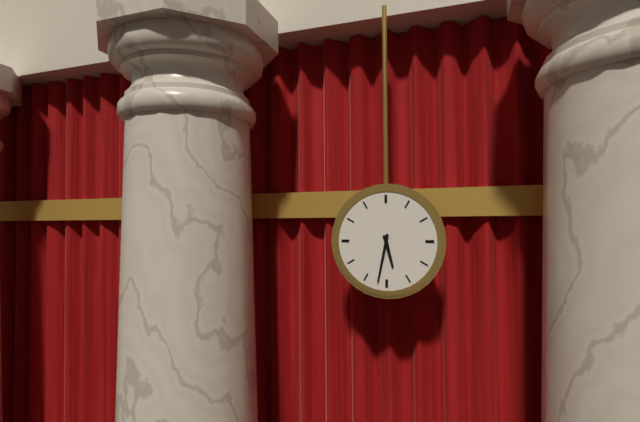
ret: {"hour": 5, "minute": 32}
